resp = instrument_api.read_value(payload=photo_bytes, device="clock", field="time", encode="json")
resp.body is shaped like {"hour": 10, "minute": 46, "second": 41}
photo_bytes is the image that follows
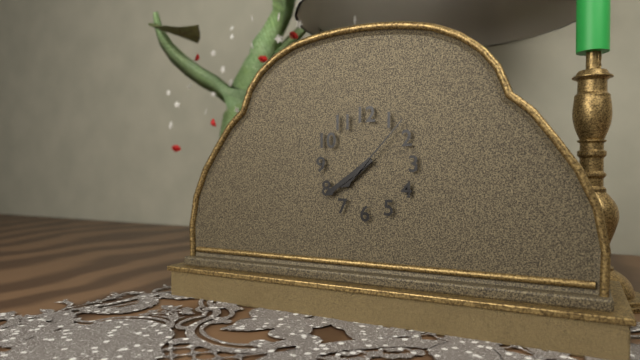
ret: {"hour": 7, "minute": 39, "second": 7}
